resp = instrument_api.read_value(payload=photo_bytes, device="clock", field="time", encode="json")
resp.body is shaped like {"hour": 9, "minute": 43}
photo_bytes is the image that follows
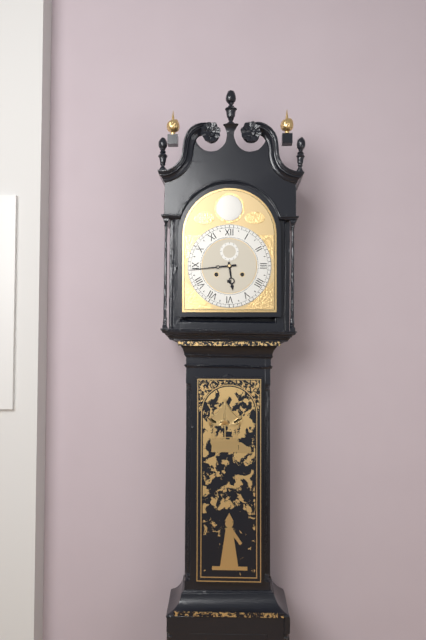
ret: {"hour": 5, "minute": 44}
